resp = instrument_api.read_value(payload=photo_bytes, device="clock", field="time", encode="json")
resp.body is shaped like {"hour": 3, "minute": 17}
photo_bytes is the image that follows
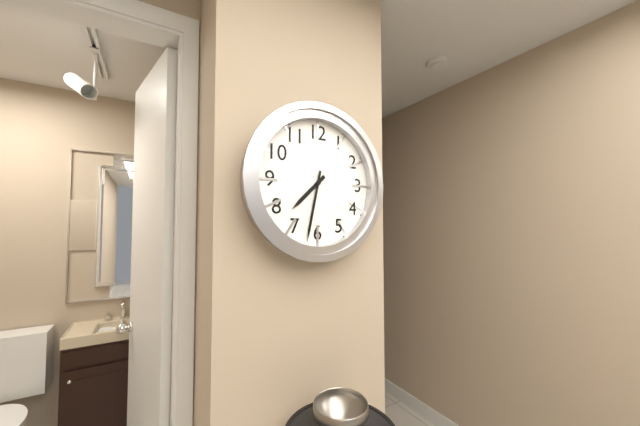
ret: {"hour": 7, "minute": 32}
